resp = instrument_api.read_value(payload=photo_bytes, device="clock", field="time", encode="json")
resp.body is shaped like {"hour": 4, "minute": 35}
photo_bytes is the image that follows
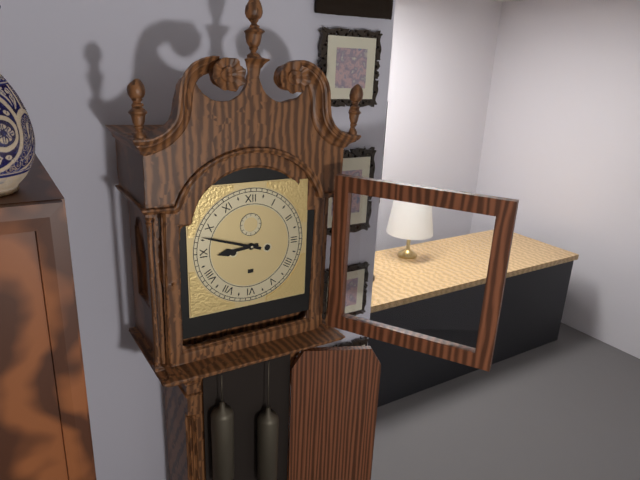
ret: {"hour": 8, "minute": 48}
